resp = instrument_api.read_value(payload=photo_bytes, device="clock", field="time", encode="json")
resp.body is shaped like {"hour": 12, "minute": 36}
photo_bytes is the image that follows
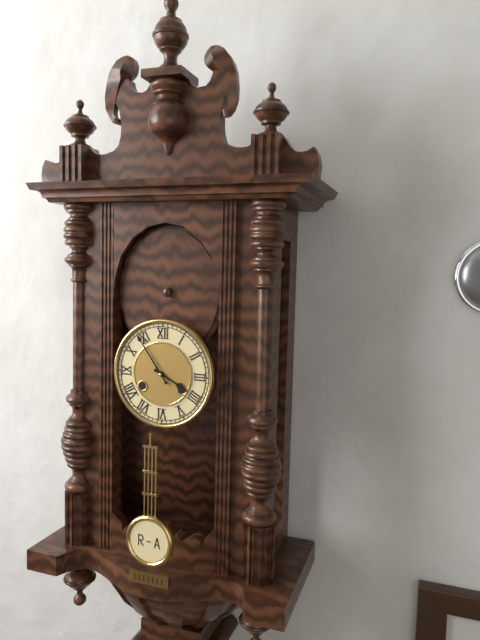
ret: {"hour": 3, "minute": 54}
